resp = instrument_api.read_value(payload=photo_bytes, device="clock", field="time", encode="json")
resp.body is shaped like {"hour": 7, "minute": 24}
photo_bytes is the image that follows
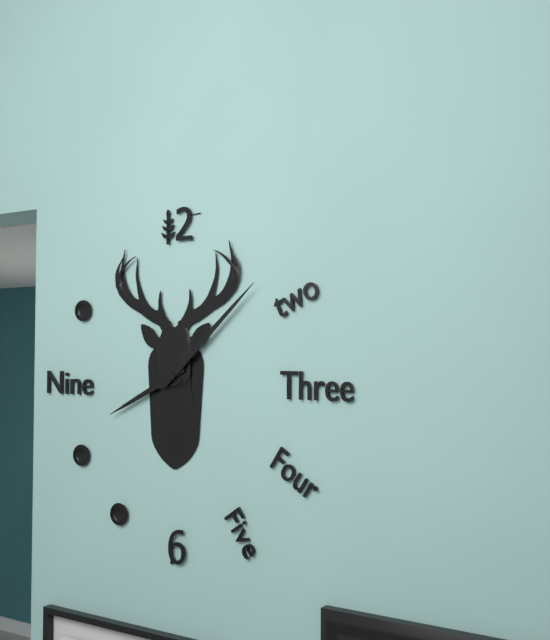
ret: {"hour": 8, "minute": 8}
